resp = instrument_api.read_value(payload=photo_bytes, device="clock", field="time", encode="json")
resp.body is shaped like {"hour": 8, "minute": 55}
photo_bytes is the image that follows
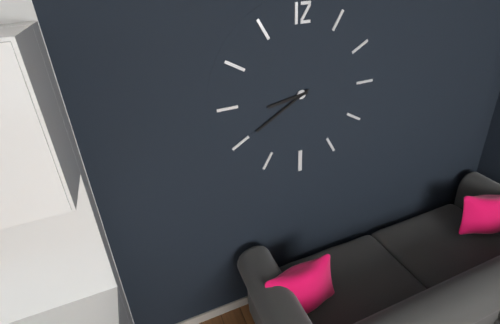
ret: {"hour": 8, "minute": 40}
